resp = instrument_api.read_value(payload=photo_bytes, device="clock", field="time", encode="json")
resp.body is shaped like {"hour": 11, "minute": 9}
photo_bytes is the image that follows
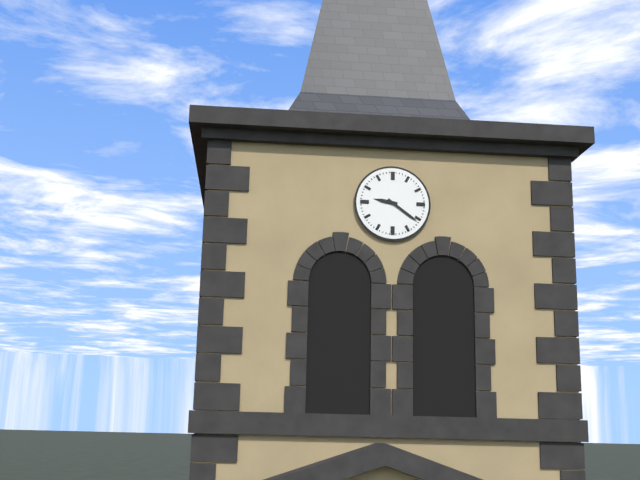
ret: {"hour": 9, "minute": 21}
